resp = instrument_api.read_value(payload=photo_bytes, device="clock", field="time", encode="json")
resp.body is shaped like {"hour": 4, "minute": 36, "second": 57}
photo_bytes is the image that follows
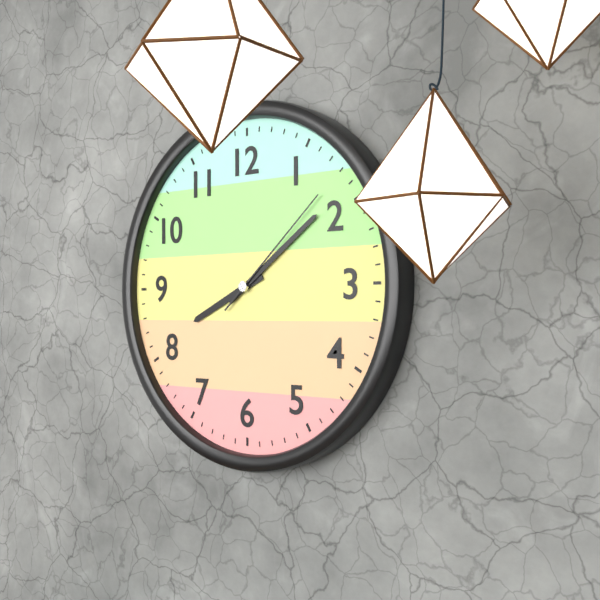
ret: {"hour": 8, "minute": 9, "second": 8}
